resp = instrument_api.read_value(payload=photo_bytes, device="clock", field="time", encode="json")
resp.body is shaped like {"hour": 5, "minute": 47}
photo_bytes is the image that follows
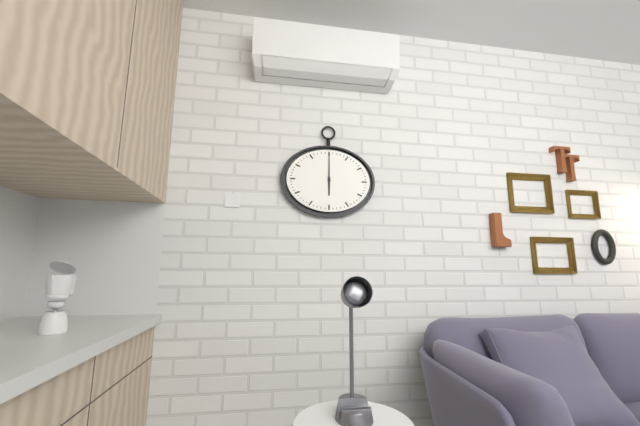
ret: {"hour": 6, "minute": 0}
